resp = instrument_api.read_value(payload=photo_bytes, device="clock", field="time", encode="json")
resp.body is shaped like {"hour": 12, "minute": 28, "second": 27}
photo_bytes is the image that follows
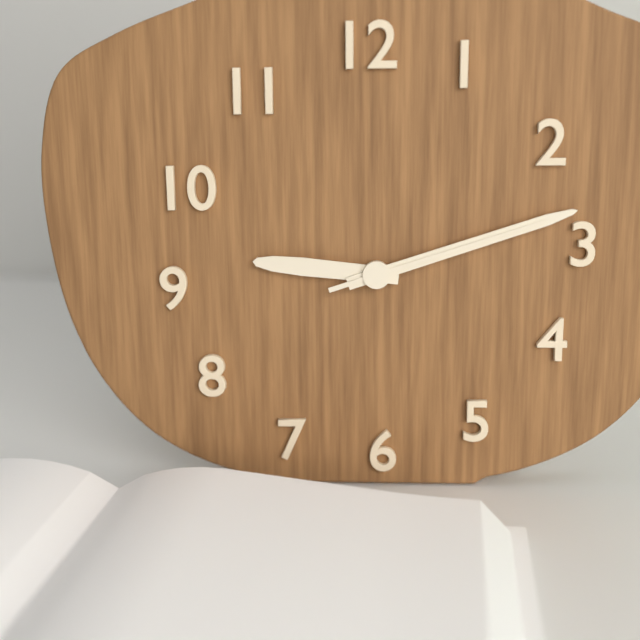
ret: {"hour": 9, "minute": 12, "second": 12}
